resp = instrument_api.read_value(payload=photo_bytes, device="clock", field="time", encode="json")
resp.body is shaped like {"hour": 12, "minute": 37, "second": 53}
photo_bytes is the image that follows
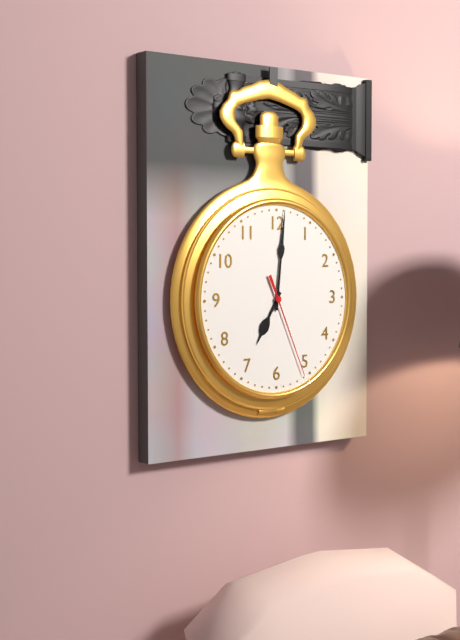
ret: {"hour": 7, "minute": 1, "second": 26}
